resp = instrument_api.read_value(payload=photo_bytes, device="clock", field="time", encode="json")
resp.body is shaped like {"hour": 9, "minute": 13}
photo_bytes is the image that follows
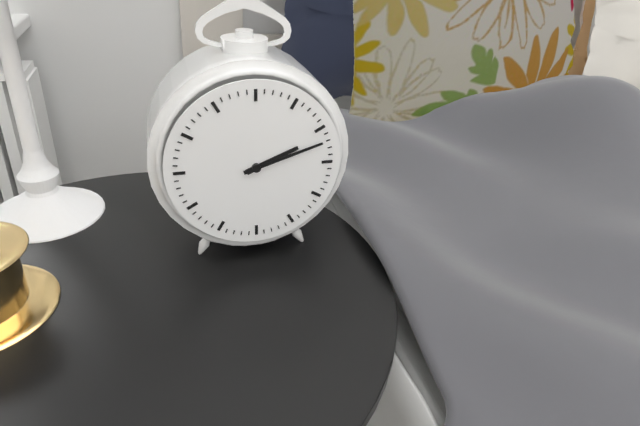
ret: {"hour": 2, "minute": 12}
